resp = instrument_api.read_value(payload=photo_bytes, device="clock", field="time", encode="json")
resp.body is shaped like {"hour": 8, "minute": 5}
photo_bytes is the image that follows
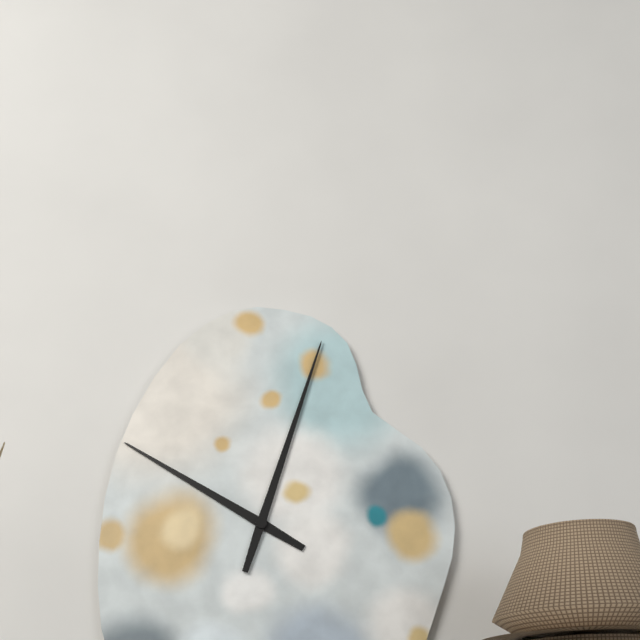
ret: {"hour": 10, "minute": 3}
